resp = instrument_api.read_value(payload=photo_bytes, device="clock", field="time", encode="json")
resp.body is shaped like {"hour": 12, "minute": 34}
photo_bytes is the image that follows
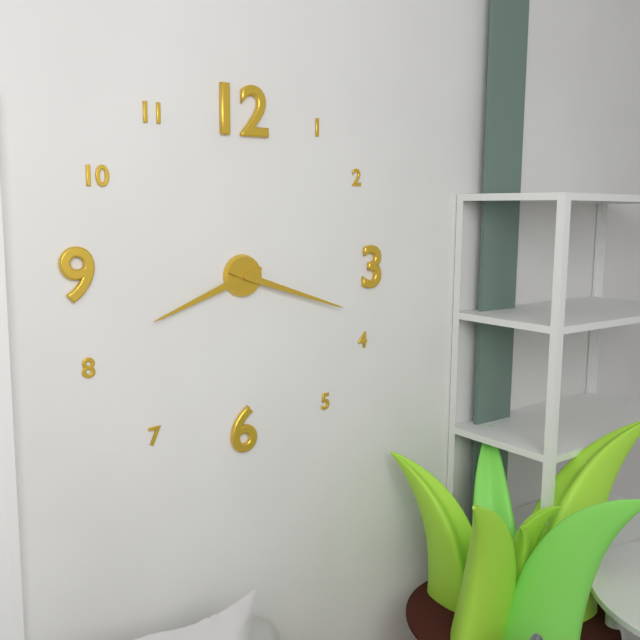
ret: {"hour": 8, "minute": 18}
